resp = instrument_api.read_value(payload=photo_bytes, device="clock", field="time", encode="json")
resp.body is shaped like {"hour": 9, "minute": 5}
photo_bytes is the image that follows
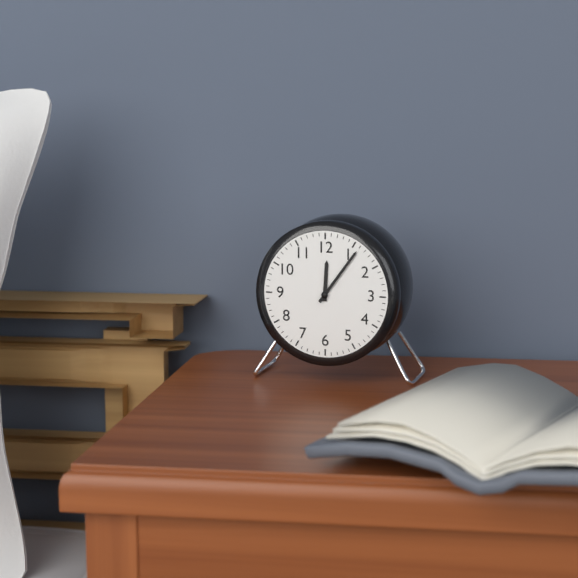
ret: {"hour": 12, "minute": 6}
